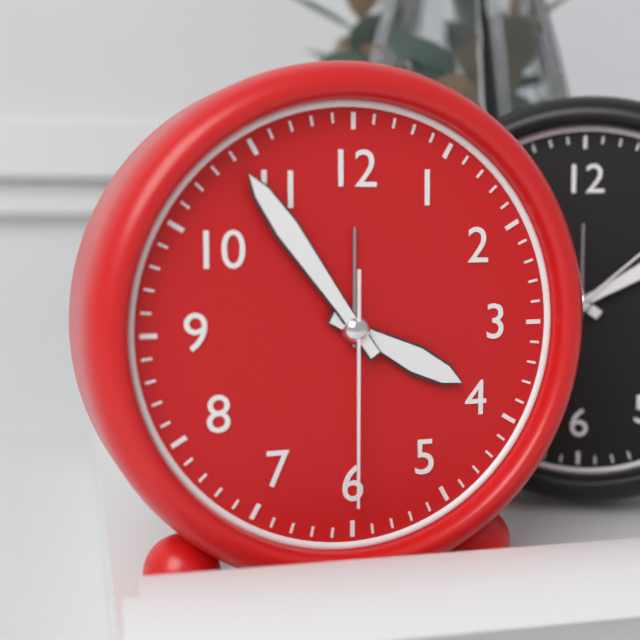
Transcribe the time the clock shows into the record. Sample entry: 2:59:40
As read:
3:54:30
